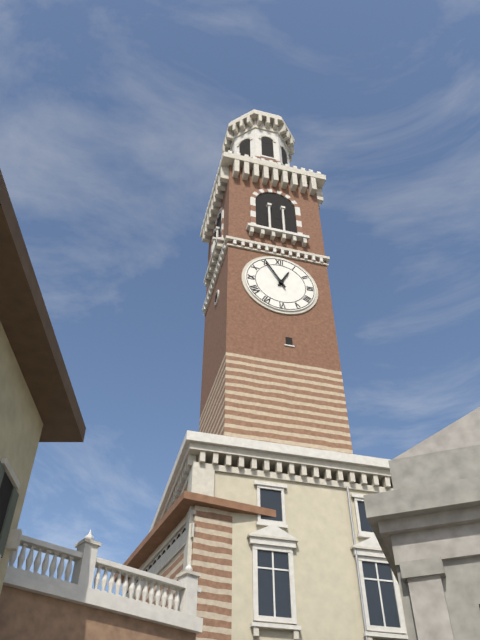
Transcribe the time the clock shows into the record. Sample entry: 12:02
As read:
12:55
